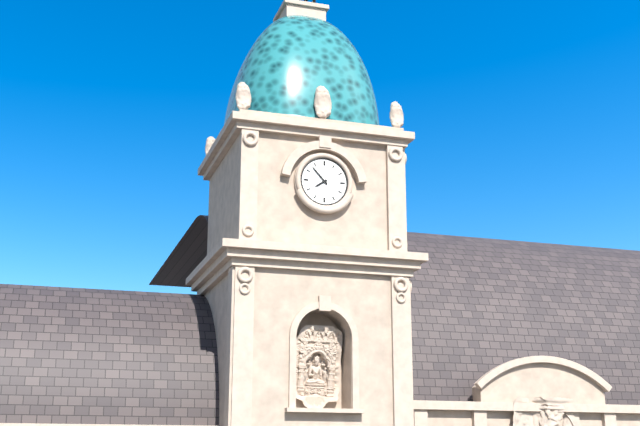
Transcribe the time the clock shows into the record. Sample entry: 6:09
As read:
7:53
